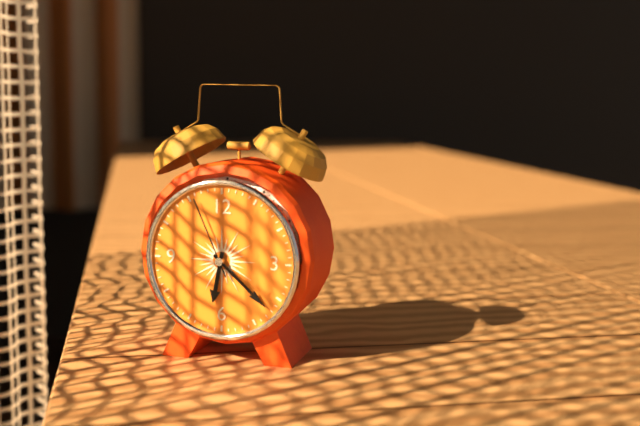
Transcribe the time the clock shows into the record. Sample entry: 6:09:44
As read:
6:22:56
